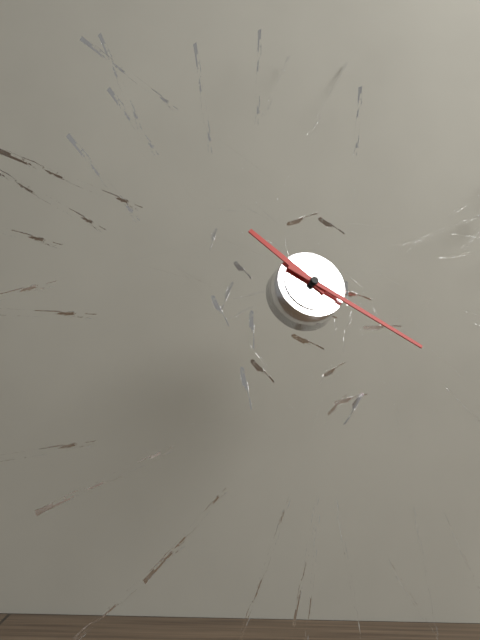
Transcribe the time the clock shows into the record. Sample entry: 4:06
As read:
10:20
